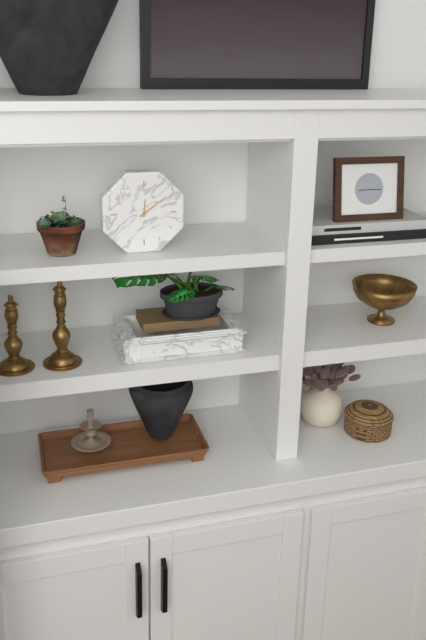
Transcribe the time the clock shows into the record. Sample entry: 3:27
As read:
12:09
